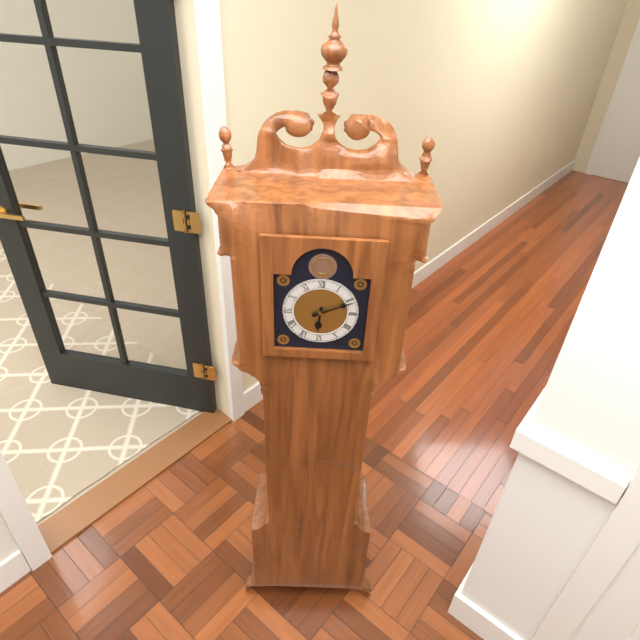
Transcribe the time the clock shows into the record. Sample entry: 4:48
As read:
6:11
